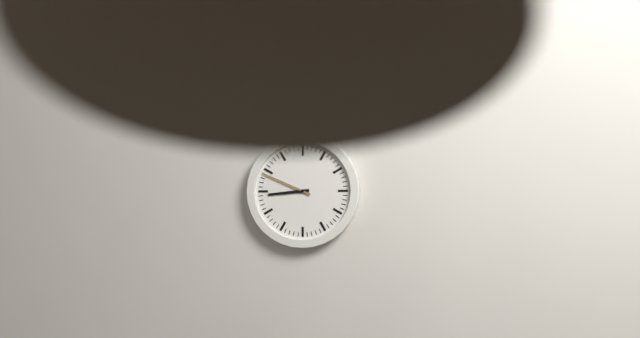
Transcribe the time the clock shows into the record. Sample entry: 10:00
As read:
8:49
